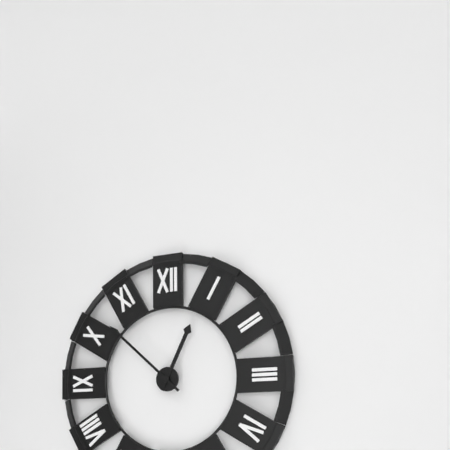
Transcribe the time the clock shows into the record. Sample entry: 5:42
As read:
12:52
